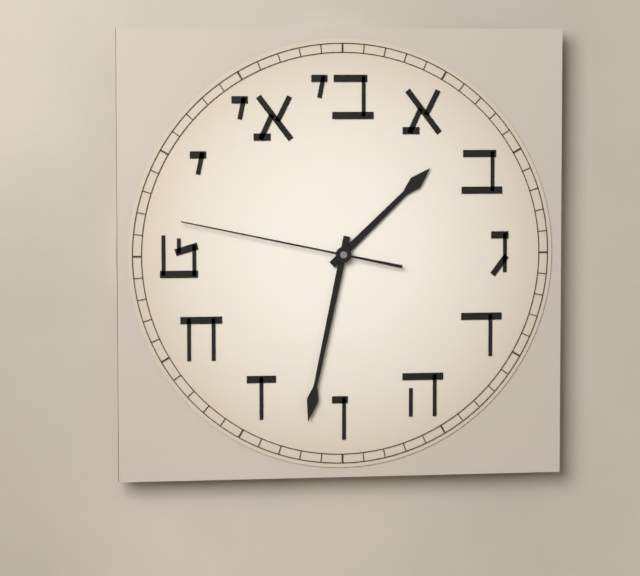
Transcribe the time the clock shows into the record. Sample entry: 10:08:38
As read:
1:32:47
